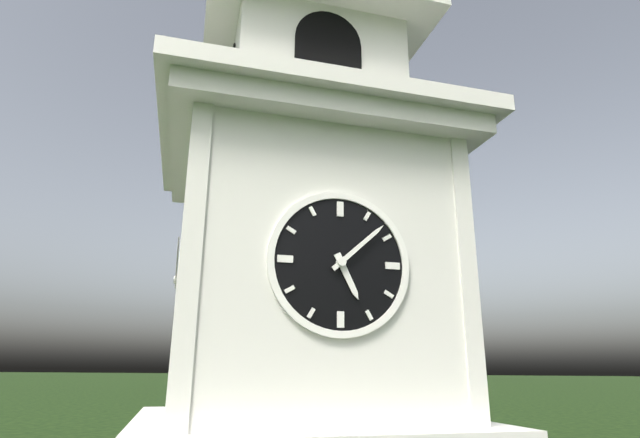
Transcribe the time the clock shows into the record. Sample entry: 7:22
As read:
5:08
